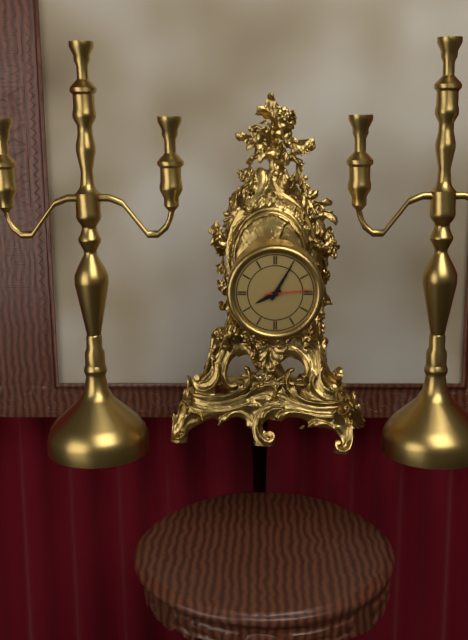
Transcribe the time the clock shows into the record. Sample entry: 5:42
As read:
8:05
